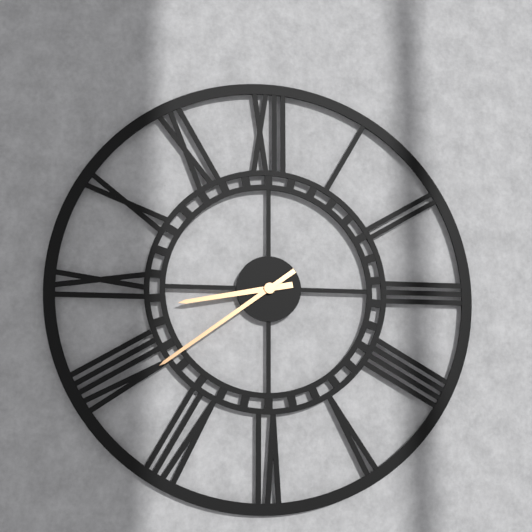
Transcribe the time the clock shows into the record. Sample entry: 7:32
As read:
8:39
